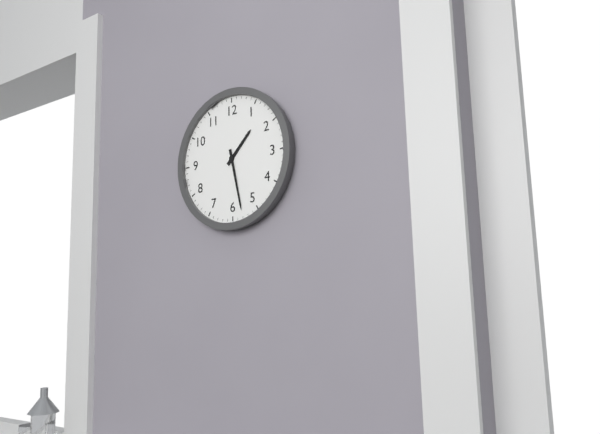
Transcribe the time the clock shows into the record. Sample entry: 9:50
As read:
1:28
